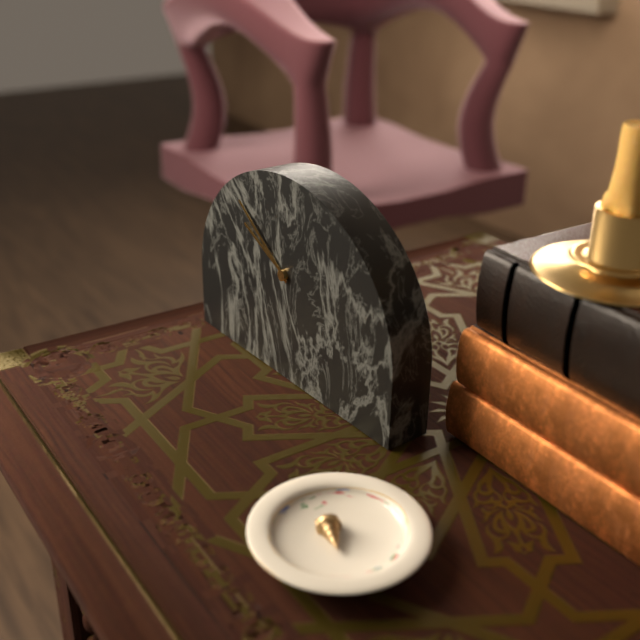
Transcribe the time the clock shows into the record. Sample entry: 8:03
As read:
9:51
